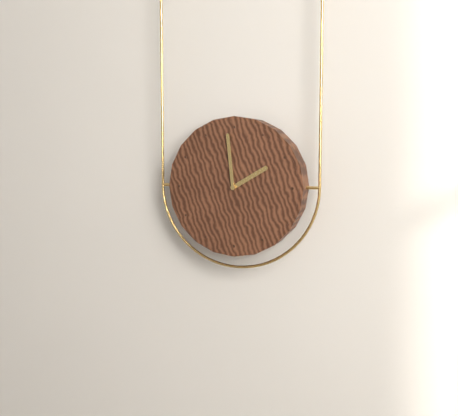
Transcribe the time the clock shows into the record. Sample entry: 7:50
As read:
1:59
